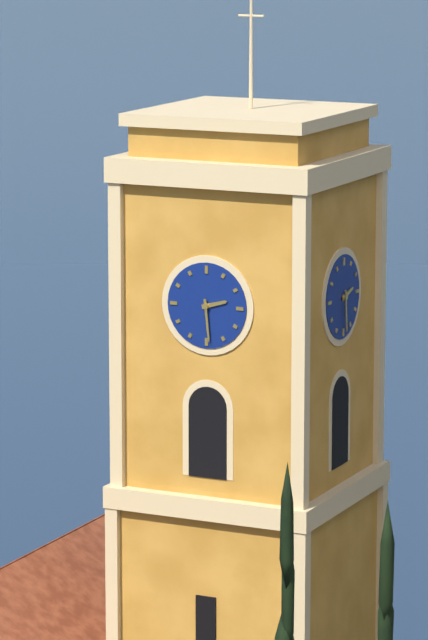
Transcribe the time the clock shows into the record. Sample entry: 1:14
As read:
2:29
